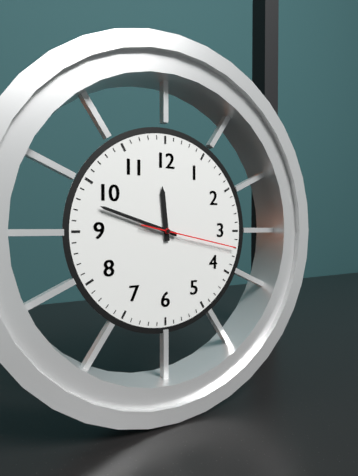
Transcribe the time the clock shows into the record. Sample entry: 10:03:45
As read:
11:48:17
